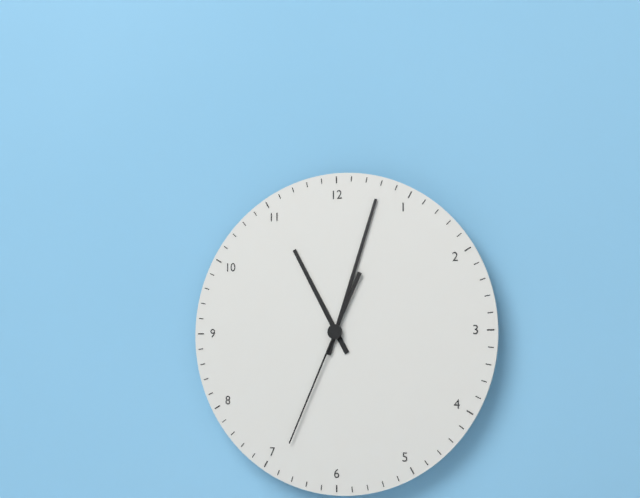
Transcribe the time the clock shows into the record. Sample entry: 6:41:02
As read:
11:03:34
